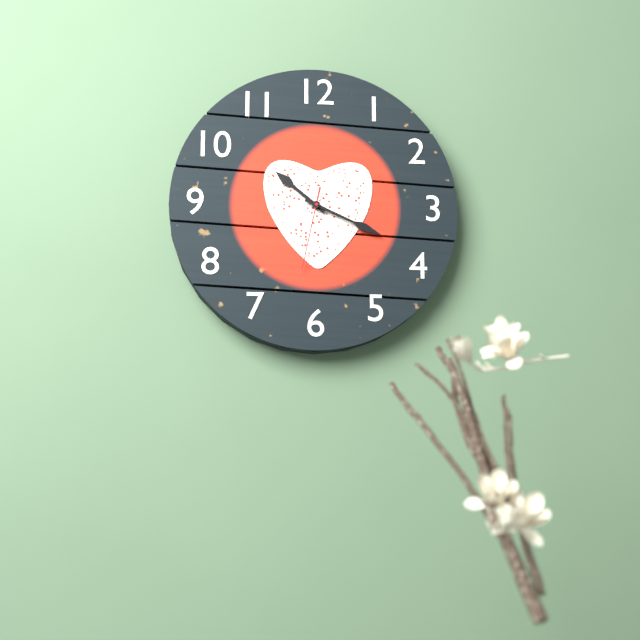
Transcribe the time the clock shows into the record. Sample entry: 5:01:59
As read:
10:19:32
